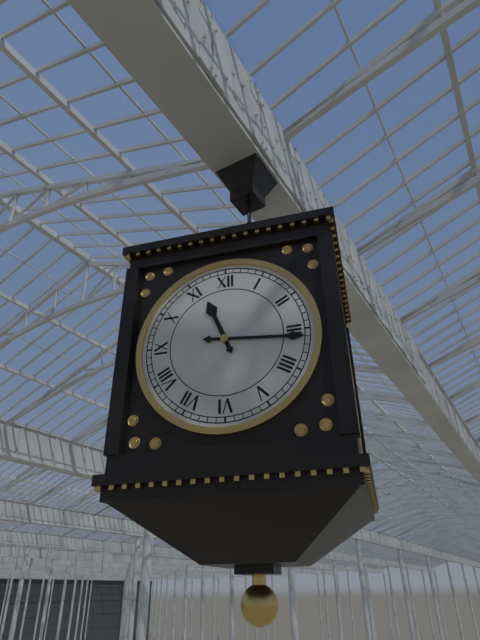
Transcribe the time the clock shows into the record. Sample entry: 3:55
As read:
11:16
